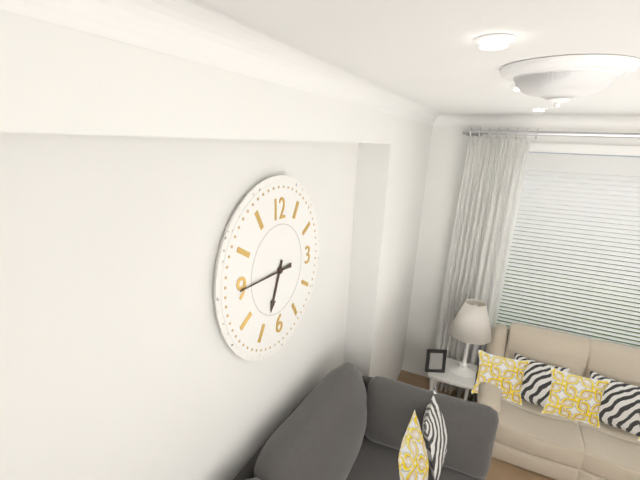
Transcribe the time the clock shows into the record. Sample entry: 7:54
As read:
6:45
